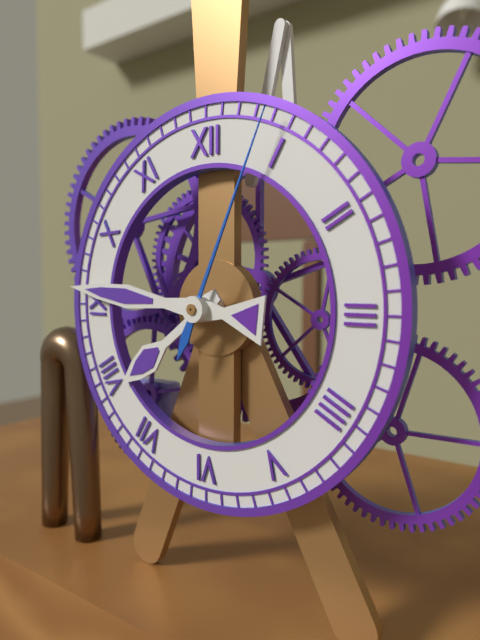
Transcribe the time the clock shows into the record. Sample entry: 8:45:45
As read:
7:46:04
